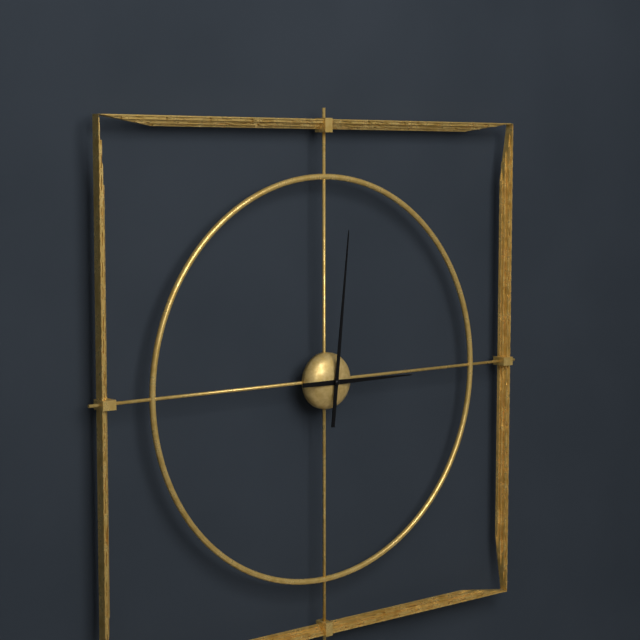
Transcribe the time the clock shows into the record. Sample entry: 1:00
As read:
3:01
